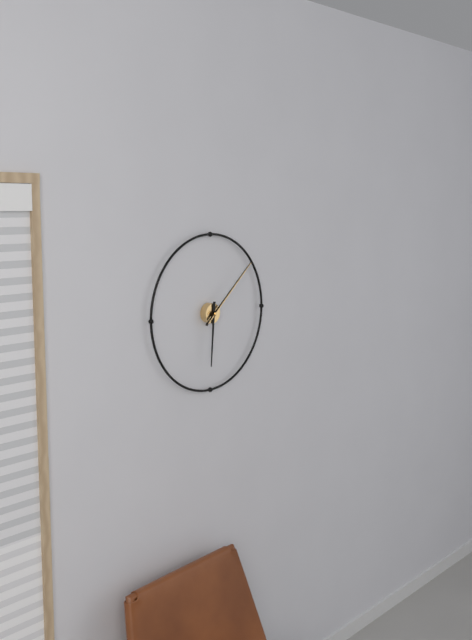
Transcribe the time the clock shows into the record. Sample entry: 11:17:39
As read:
6:08:08
